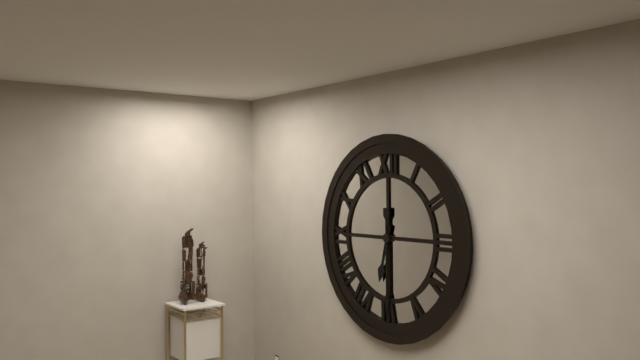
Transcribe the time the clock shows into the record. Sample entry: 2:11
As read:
6:30
